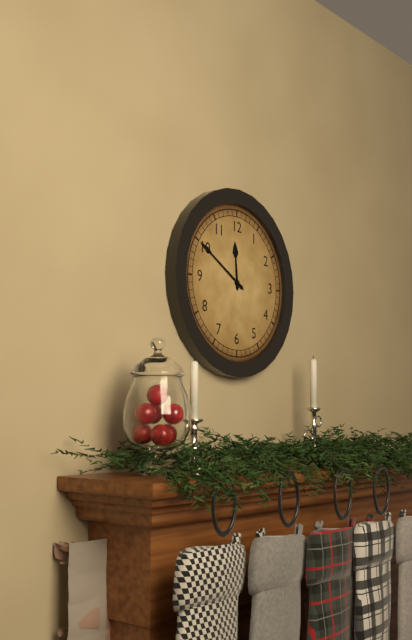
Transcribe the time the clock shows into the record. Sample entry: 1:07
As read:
11:50
